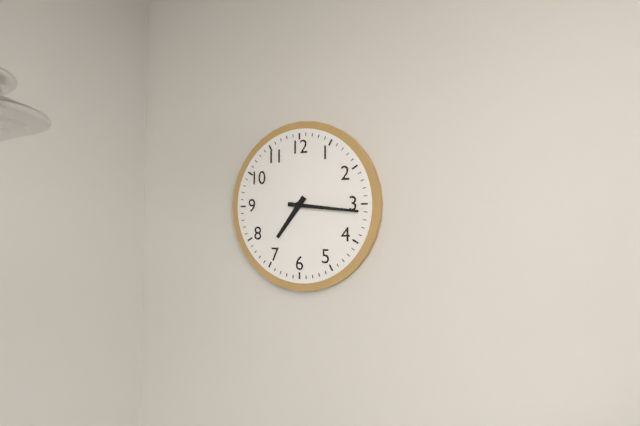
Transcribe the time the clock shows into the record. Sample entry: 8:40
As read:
7:16
